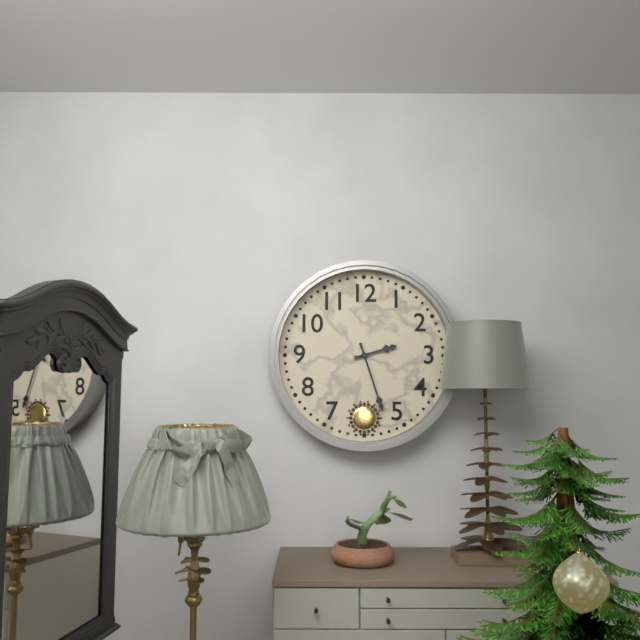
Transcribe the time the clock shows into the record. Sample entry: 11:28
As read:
2:27
